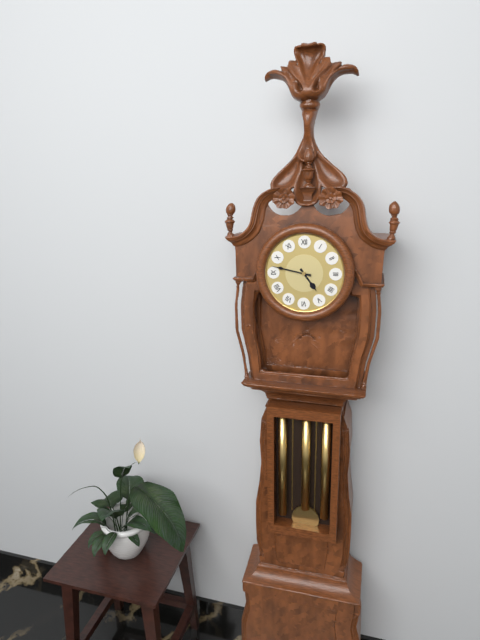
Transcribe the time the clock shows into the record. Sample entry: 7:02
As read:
4:47
